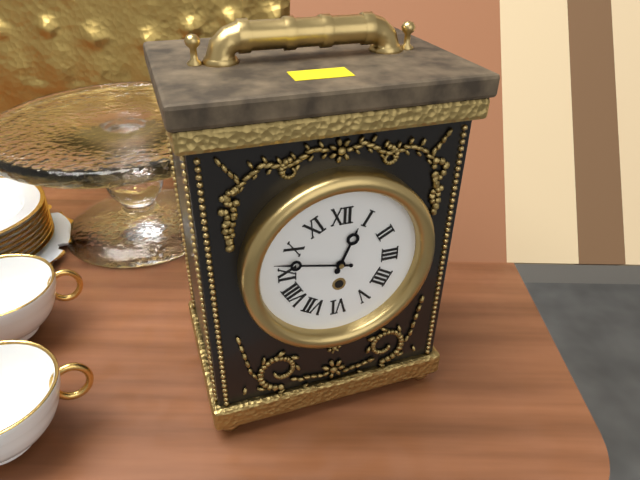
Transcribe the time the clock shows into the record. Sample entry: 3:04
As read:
12:47
